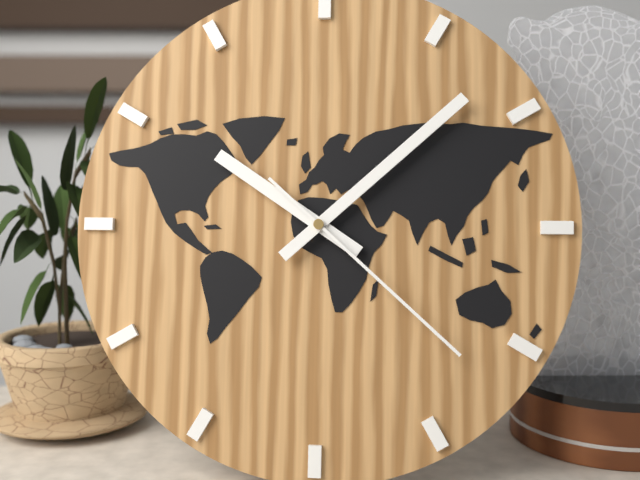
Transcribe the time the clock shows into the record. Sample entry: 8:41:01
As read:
10:08:22
